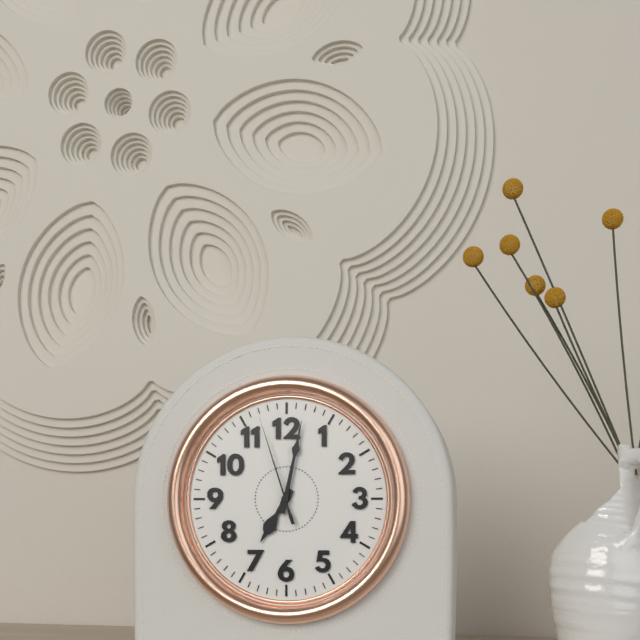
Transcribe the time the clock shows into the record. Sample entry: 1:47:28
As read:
7:02:57
